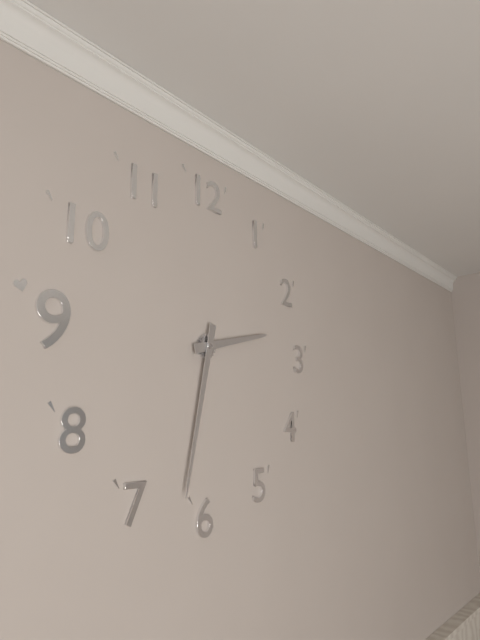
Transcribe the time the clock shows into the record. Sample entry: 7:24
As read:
2:32
